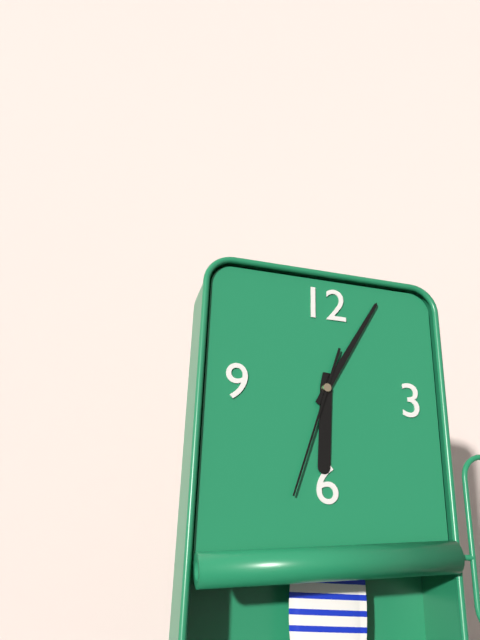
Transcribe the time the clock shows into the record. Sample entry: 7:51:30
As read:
6:05:33
